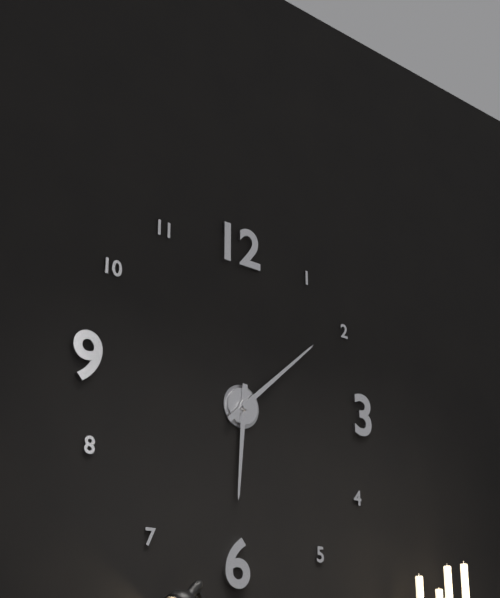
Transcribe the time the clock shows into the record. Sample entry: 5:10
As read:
6:08
